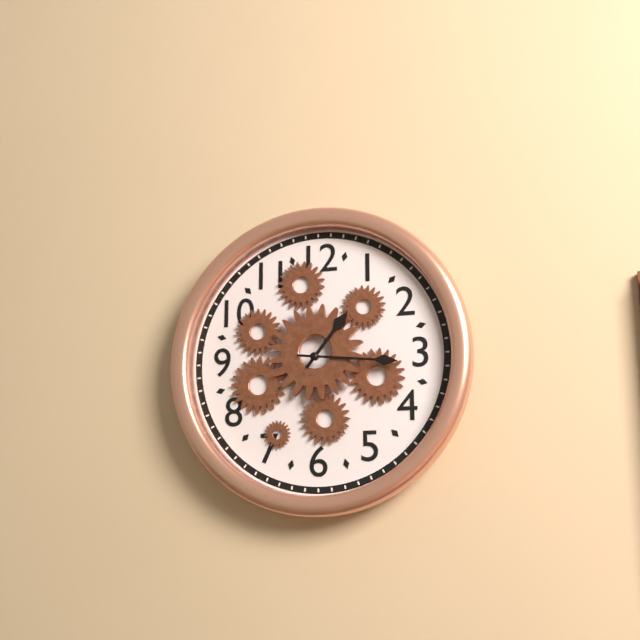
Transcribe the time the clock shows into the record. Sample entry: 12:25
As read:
1:16
